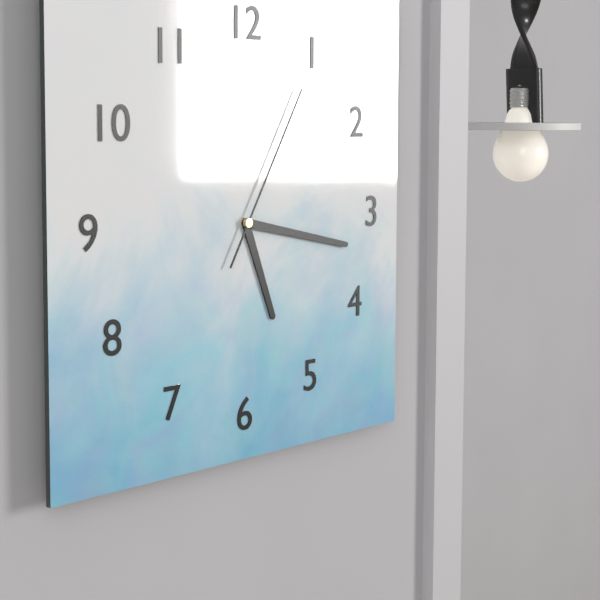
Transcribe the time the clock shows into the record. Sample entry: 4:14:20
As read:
5:17:05
